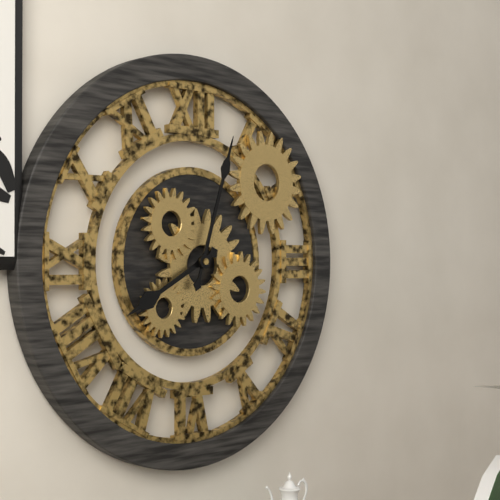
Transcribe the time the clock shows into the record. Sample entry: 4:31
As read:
8:03
